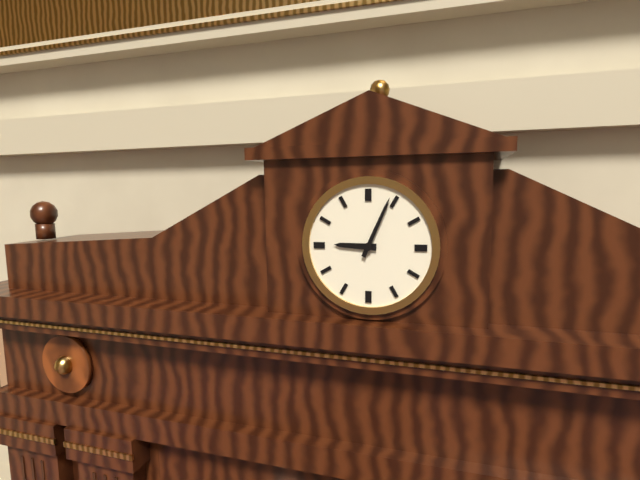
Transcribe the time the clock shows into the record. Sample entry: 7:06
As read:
9:04
